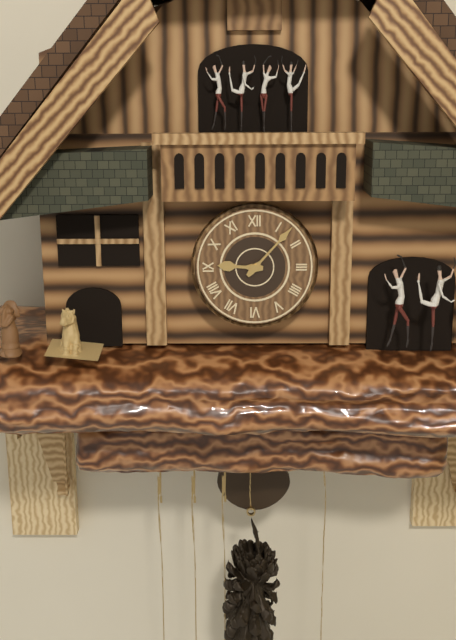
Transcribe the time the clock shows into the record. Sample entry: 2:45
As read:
9:07
